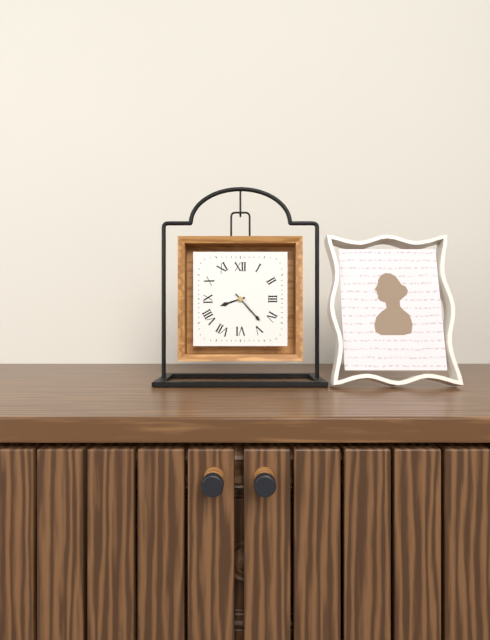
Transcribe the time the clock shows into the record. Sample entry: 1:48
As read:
8:23
